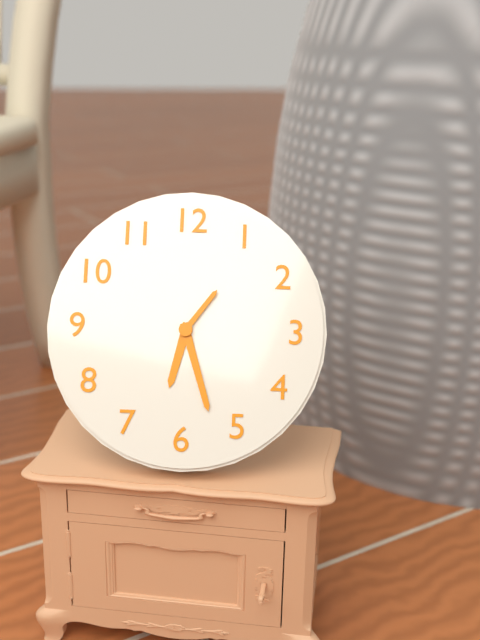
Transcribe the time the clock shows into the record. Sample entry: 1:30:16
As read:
6:27:06
